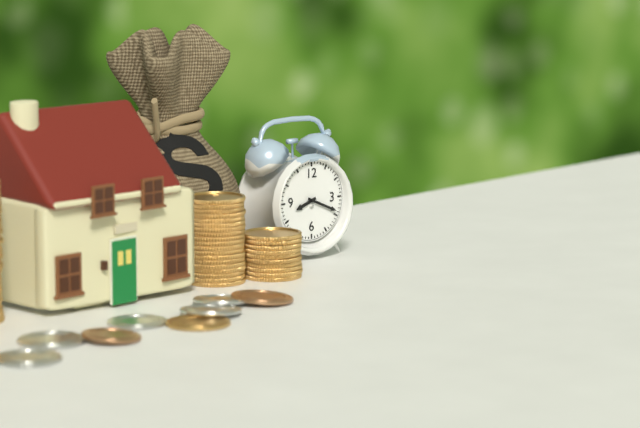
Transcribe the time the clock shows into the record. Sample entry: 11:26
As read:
8:19
